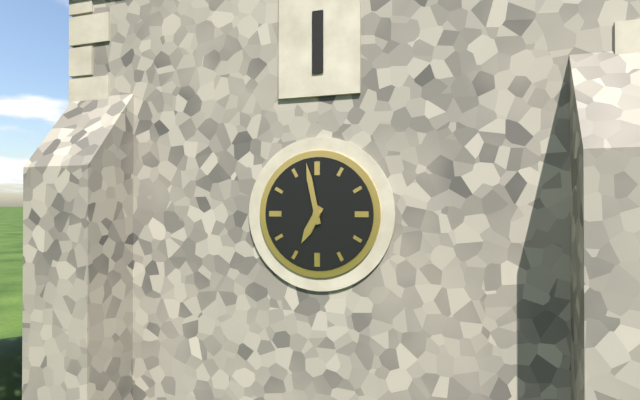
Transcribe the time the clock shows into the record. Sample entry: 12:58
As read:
6:58
